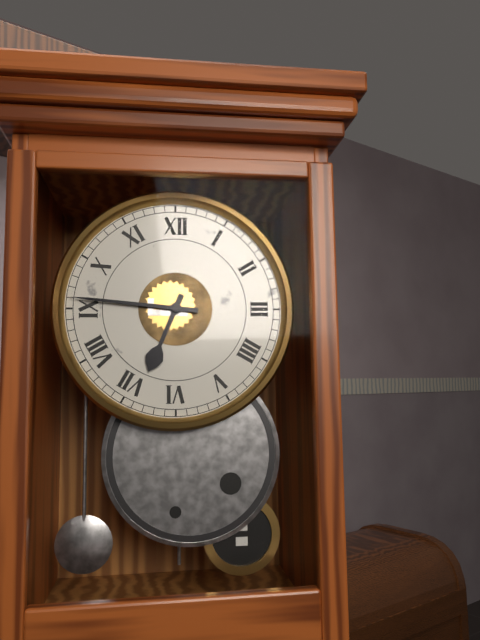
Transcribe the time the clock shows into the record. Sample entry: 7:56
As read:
6:46
